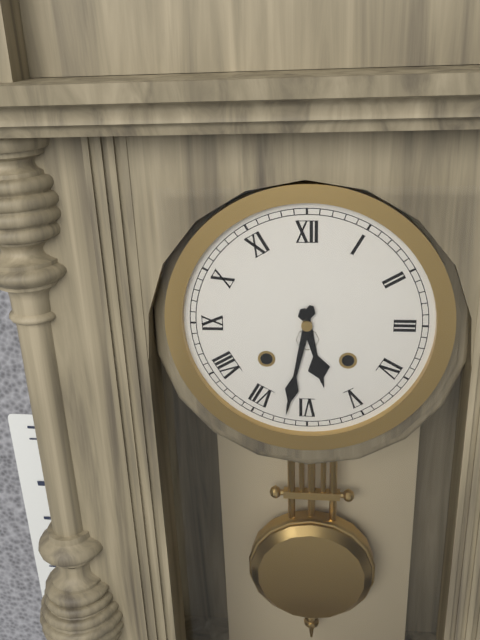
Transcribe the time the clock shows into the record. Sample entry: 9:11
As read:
5:32
